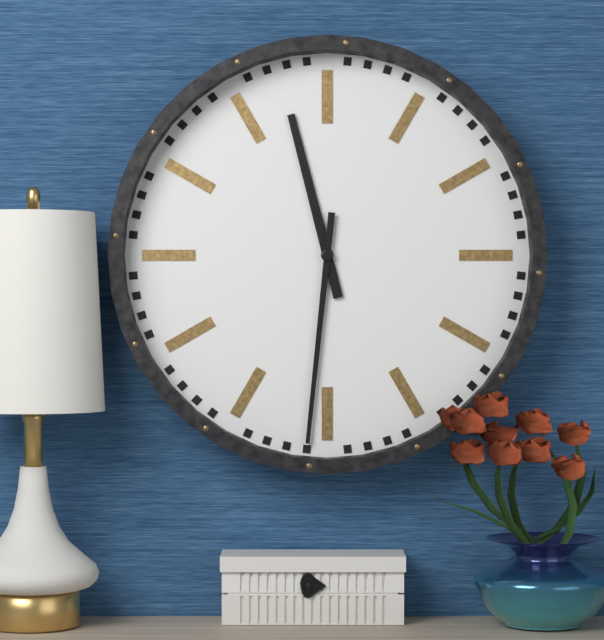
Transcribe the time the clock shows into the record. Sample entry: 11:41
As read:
11:31
